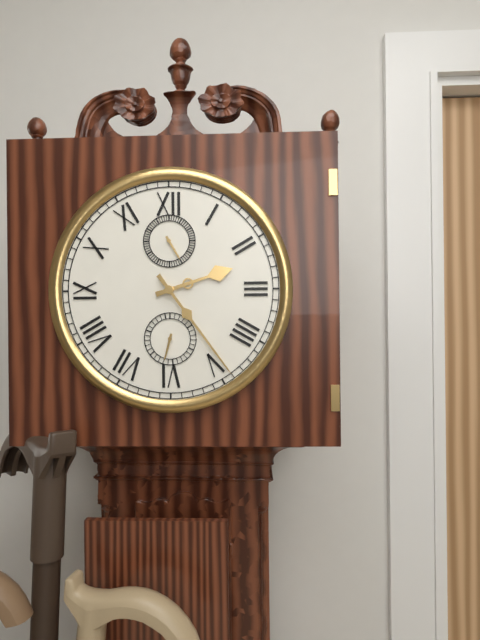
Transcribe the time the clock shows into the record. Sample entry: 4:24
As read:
2:24
